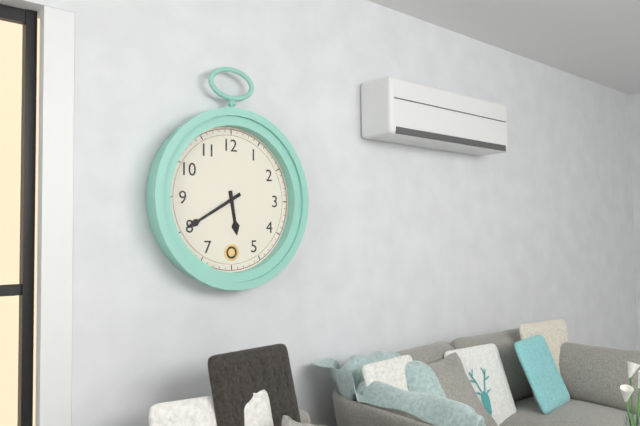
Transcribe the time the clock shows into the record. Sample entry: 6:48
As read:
5:40
